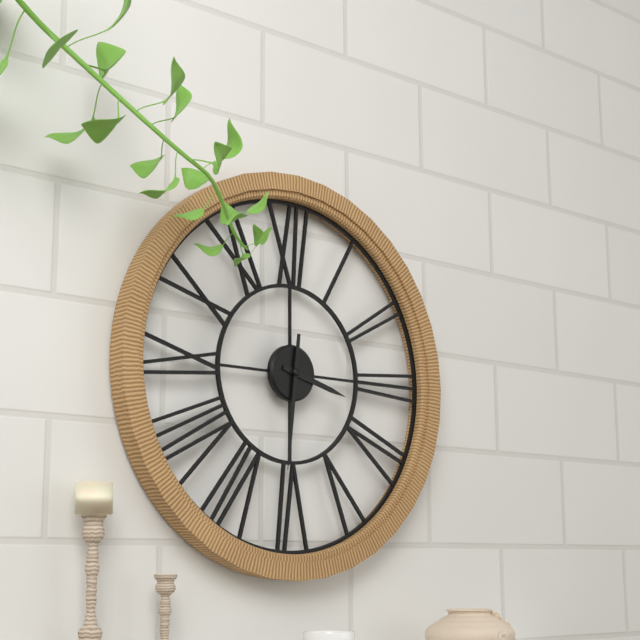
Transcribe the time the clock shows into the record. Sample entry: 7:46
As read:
3:31
